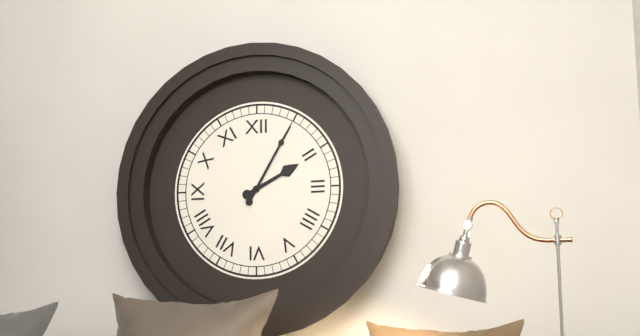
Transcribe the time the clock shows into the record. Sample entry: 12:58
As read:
2:05
